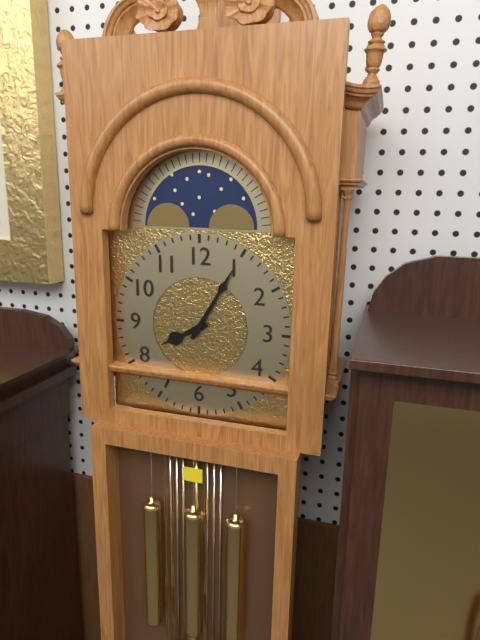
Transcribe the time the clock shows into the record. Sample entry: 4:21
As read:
8:05
